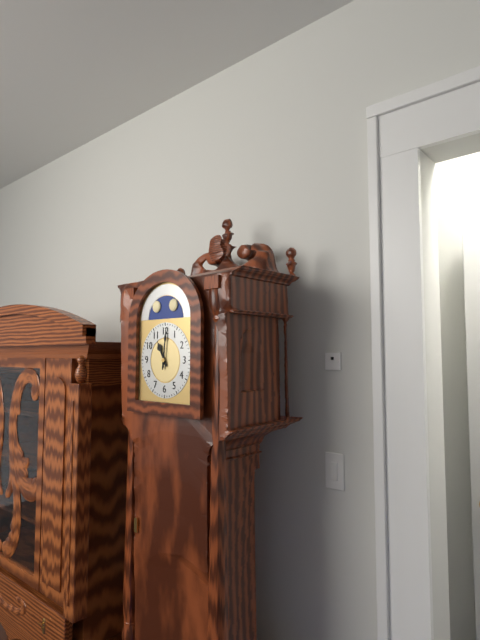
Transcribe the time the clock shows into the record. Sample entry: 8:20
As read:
11:01
